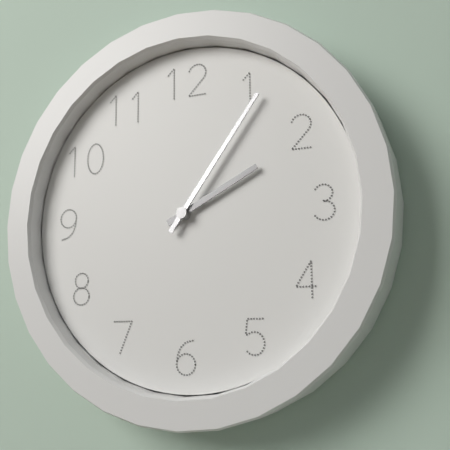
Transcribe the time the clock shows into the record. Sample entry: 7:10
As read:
2:06
